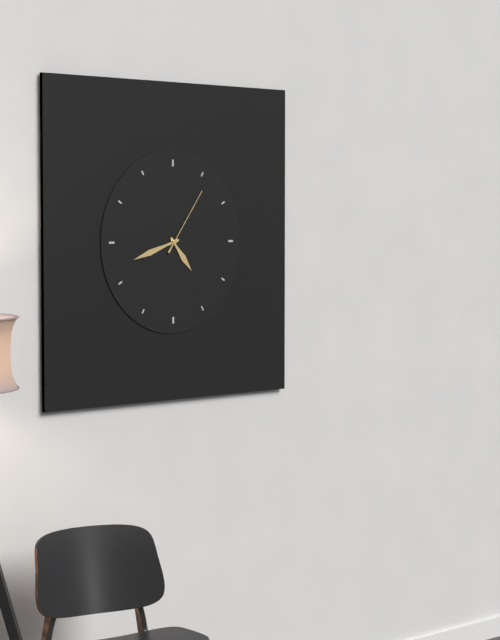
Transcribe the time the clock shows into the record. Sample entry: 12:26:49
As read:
4:42:06
